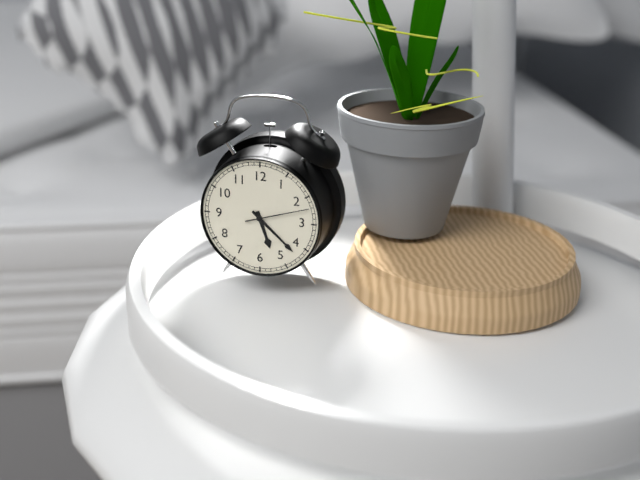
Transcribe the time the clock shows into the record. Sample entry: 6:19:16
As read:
5:22:12
